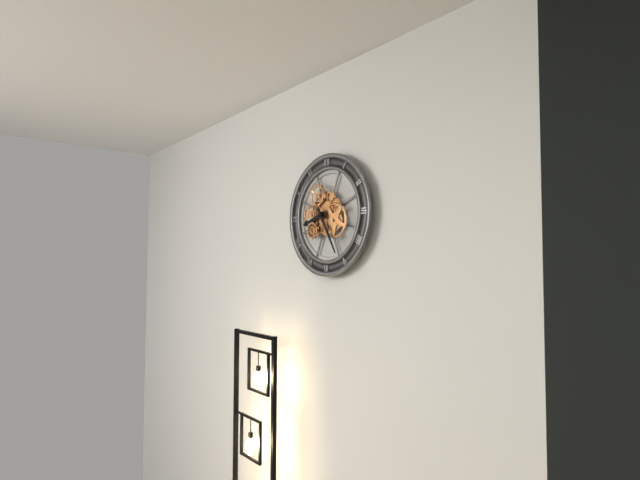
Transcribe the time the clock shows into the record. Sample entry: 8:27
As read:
8:25
